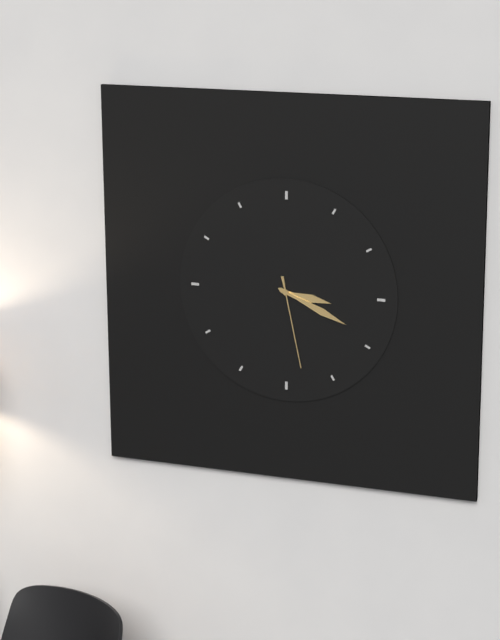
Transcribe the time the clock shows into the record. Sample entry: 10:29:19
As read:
3:19:28
